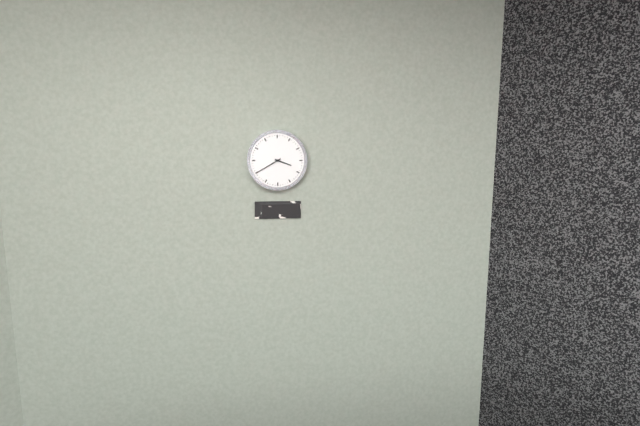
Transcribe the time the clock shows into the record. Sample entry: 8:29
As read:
3:40
